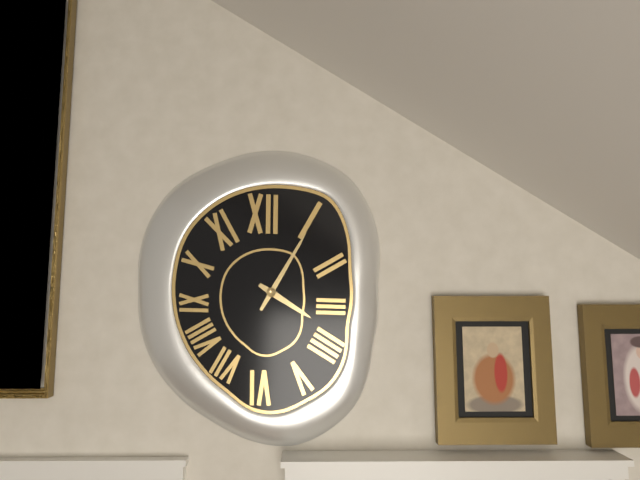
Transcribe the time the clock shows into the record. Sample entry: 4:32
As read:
4:05
